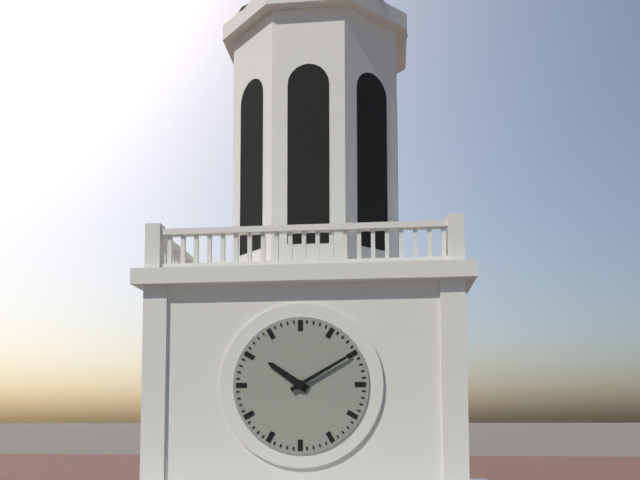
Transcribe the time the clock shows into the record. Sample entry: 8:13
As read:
10:10
